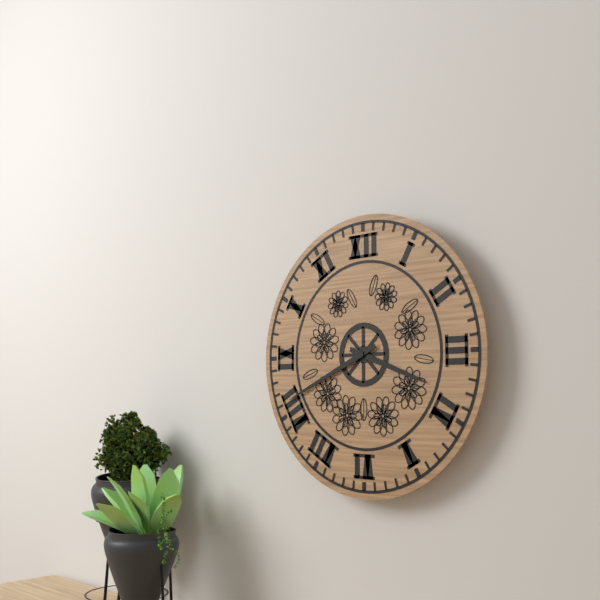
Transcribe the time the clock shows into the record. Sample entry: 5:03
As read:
3:41
